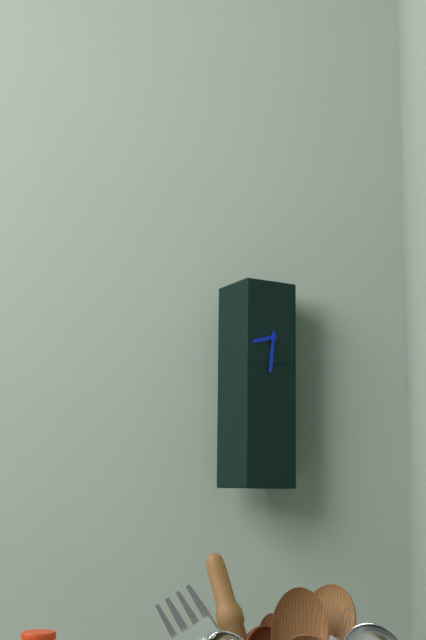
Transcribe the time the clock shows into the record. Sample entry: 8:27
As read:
8:31
